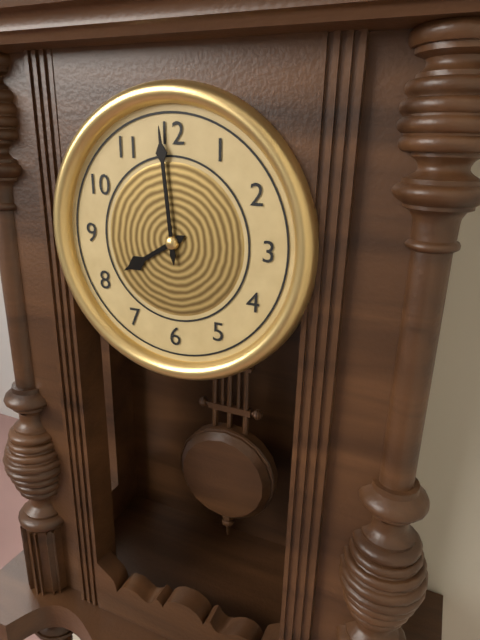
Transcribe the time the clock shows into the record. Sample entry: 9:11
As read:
7:59
